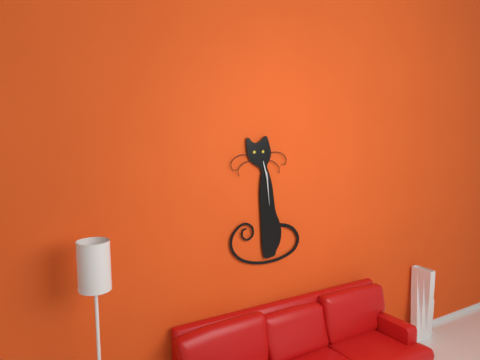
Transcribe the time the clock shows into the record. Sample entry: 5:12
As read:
11:29
